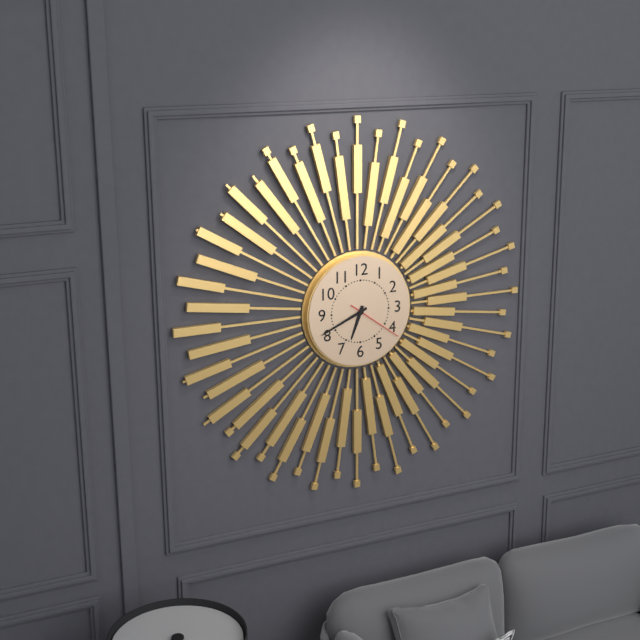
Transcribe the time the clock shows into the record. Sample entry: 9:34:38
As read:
6:41:21
